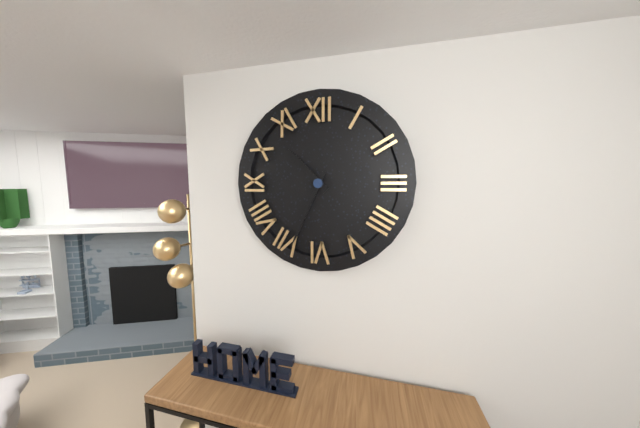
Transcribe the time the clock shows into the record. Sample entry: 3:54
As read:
10:34
